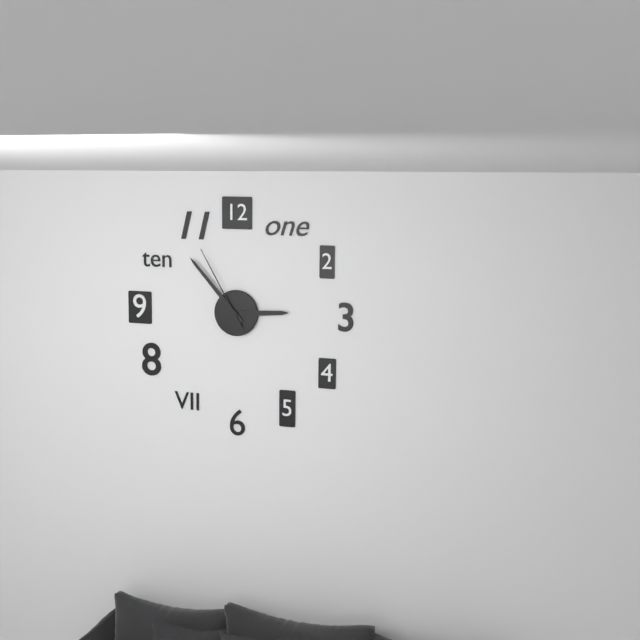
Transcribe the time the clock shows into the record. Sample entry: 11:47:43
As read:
2:53:55
